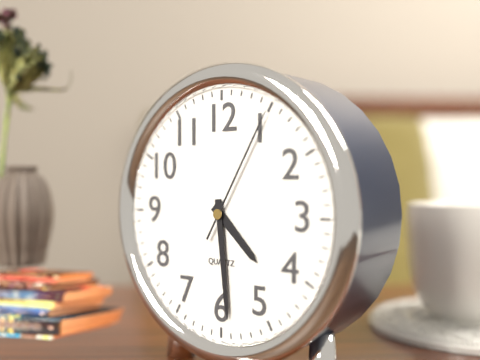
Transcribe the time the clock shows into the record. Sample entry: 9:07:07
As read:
4:29:05
